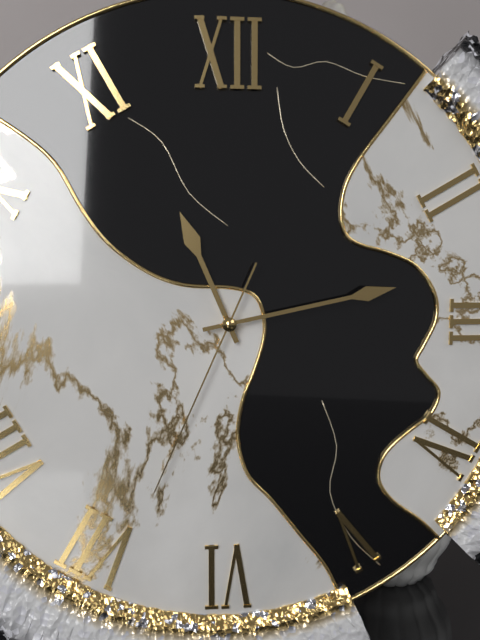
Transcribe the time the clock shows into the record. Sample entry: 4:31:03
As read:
11:13:34
